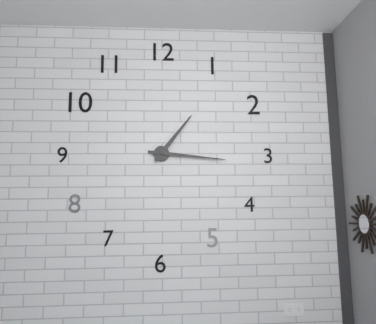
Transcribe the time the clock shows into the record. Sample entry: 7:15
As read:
1:16
